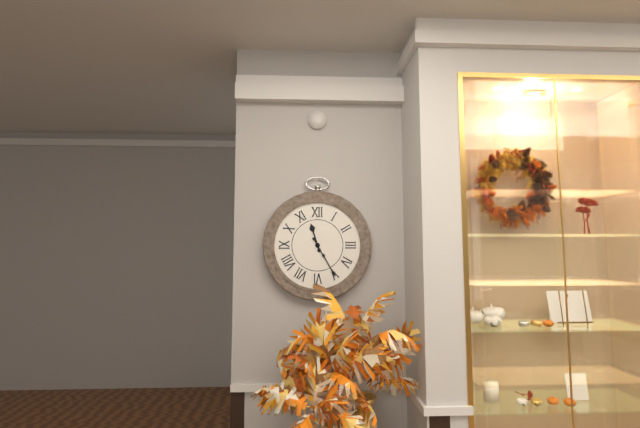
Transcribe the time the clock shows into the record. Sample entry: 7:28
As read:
11:25
